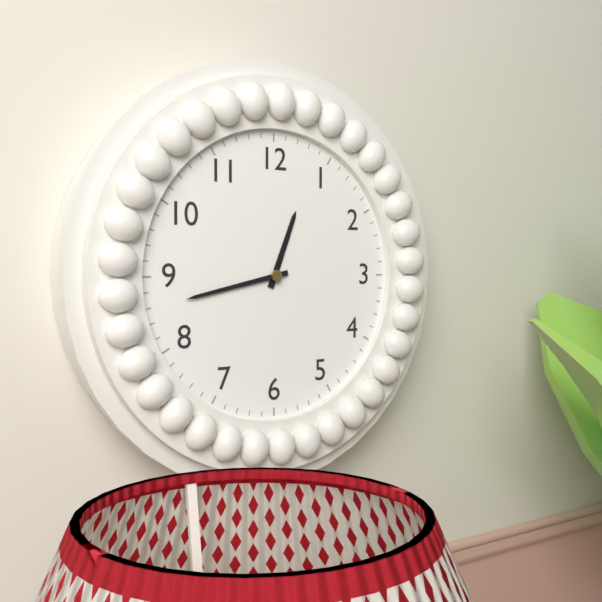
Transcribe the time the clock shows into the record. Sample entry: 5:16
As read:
12:43
